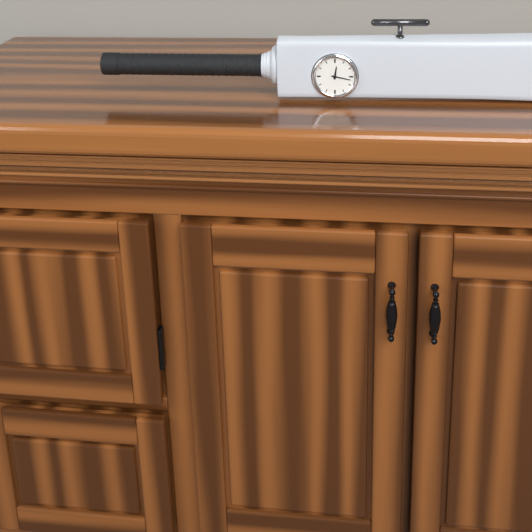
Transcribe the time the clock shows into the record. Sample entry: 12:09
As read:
12:17
